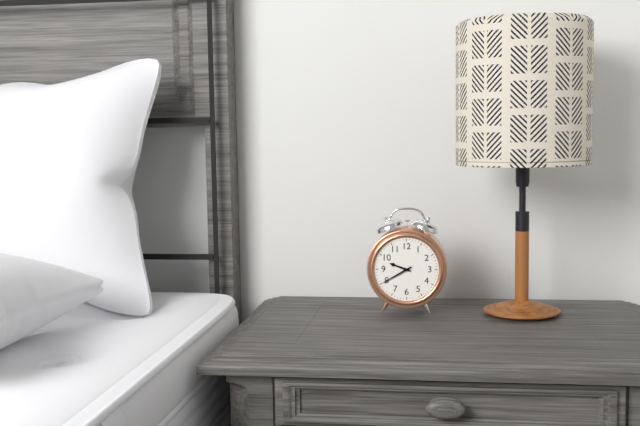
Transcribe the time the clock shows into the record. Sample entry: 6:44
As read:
9:40
